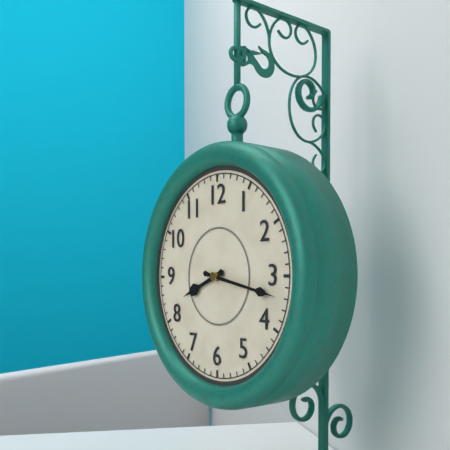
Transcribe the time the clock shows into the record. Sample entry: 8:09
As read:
8:17
